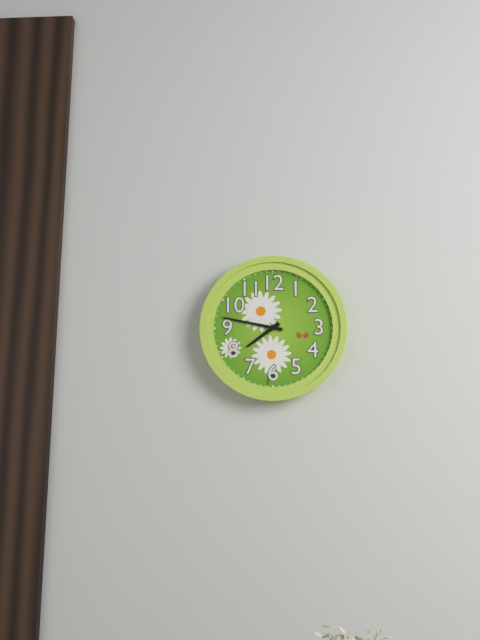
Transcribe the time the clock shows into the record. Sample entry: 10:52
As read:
7:47
